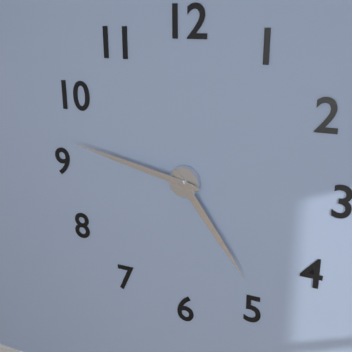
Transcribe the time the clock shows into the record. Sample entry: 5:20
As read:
4:47
